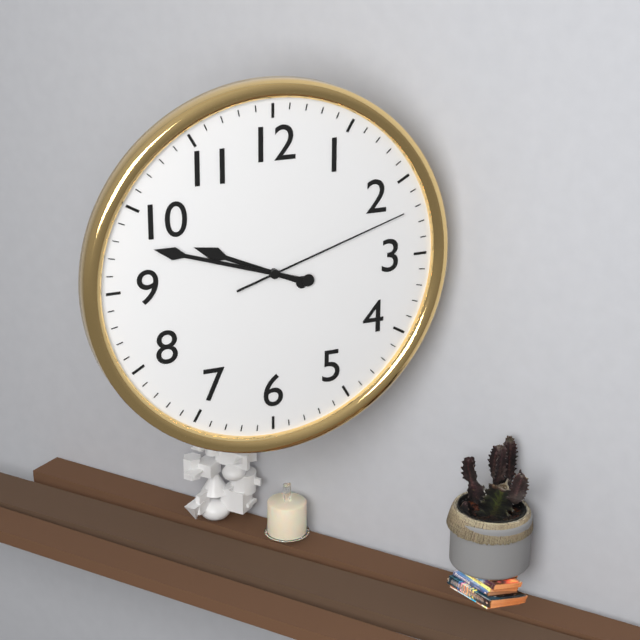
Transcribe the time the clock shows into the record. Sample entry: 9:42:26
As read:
9:48:12
